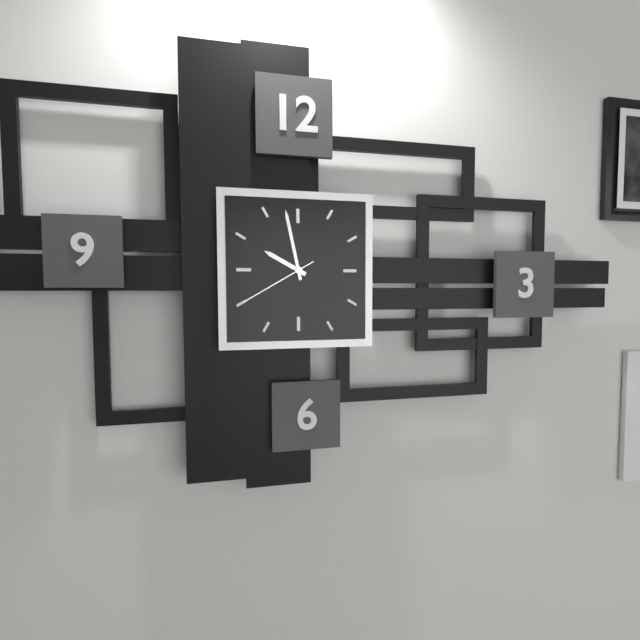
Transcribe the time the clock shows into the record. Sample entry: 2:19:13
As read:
9:58:40
